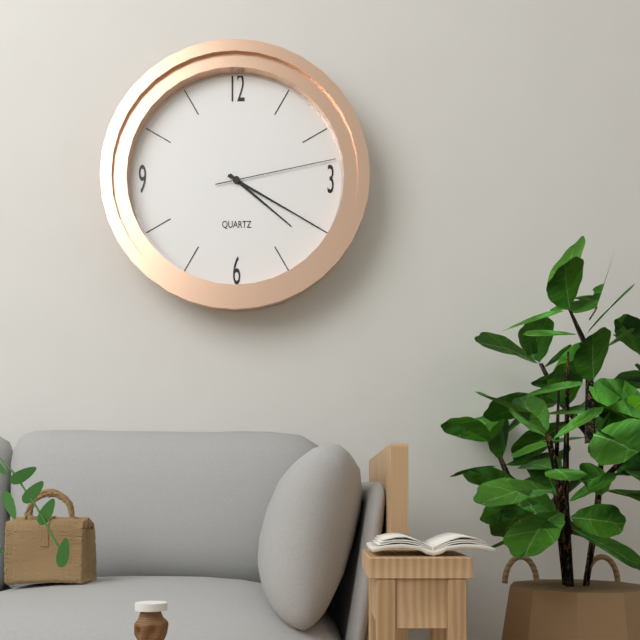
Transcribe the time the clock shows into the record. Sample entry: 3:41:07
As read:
4:20:13
